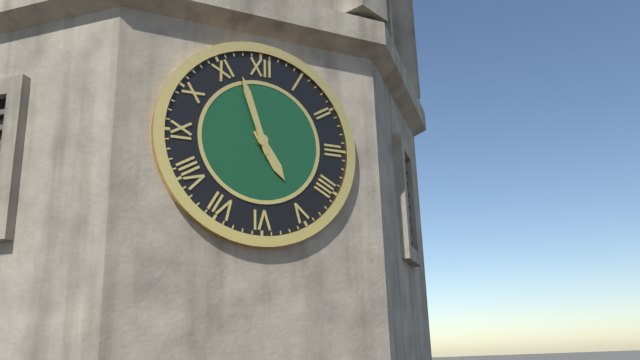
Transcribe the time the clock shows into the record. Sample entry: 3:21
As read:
4:57
